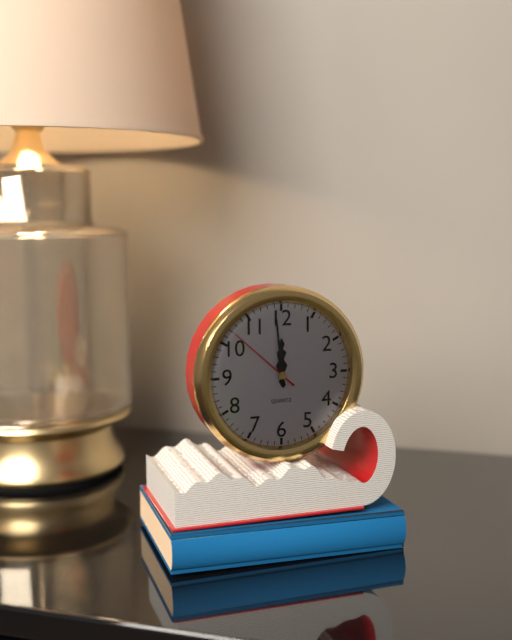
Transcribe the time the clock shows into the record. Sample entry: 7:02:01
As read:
11:59:52
